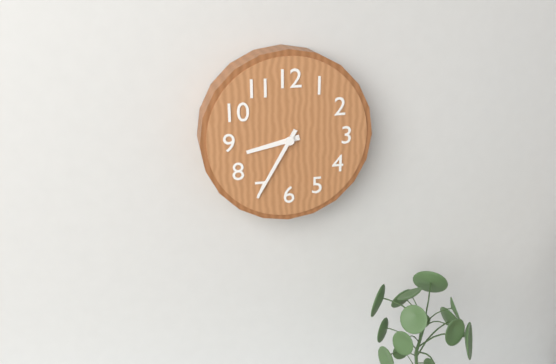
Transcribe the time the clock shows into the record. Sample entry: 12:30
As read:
8:35
